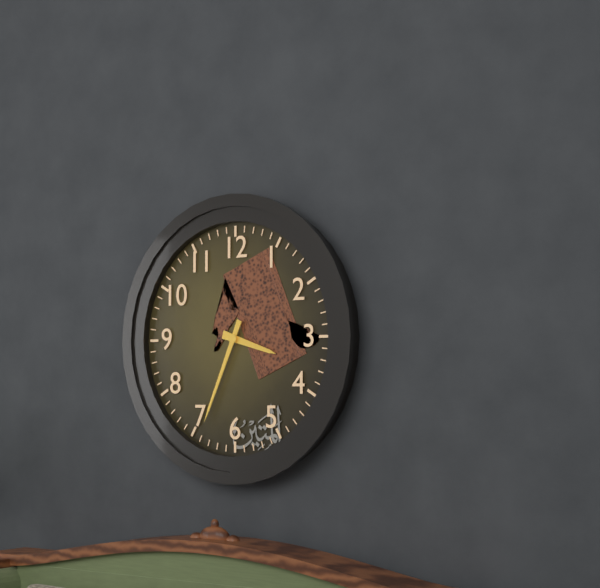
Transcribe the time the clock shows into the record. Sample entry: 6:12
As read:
3:34
